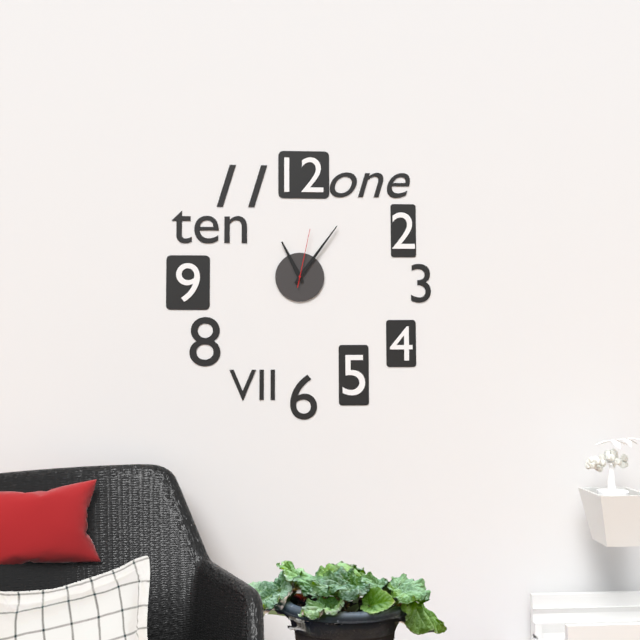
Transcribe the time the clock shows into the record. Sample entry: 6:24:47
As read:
11:06:02
